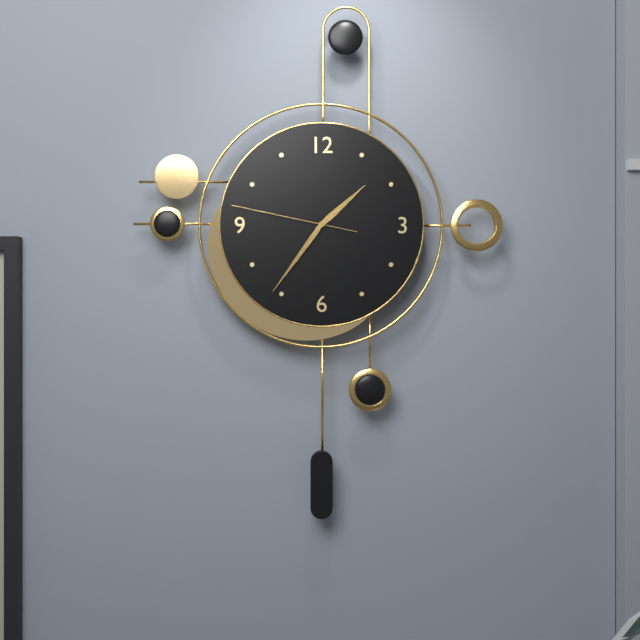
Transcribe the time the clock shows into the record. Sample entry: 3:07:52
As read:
1:36:47
